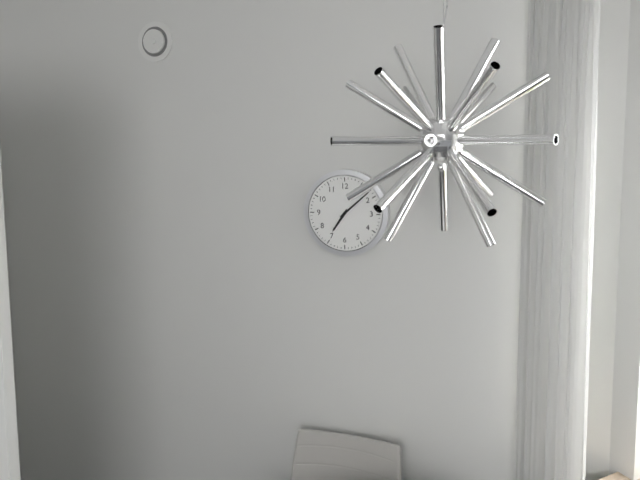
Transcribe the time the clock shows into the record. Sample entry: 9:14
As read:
7:08
